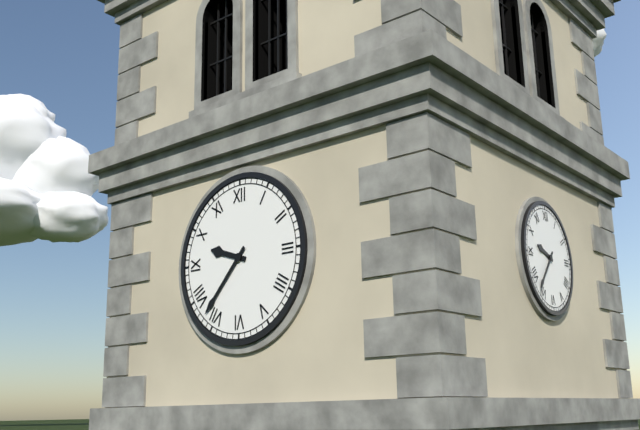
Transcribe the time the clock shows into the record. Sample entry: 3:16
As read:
9:37
